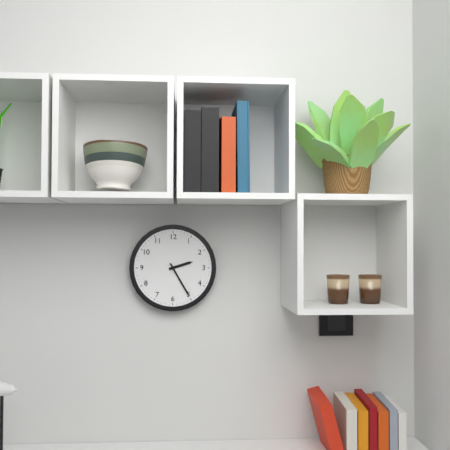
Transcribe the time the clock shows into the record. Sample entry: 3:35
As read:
2:25
